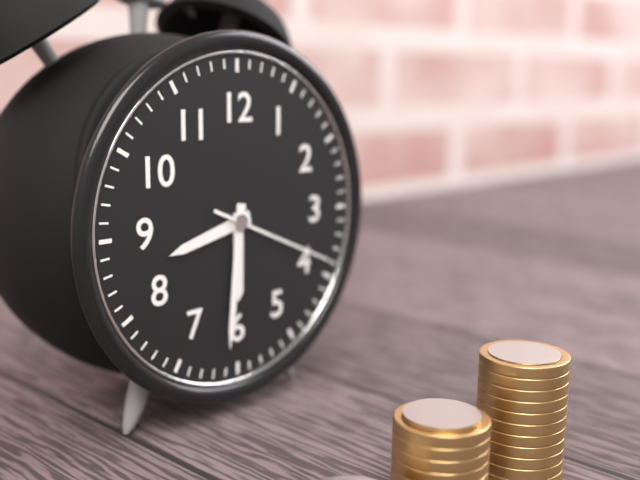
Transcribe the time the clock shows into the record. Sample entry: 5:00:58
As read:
8:31:19
